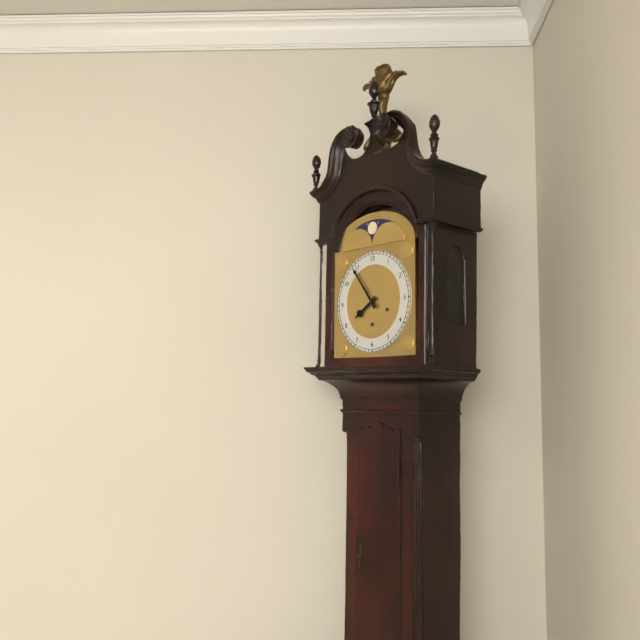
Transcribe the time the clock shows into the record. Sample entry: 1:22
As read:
7:54
